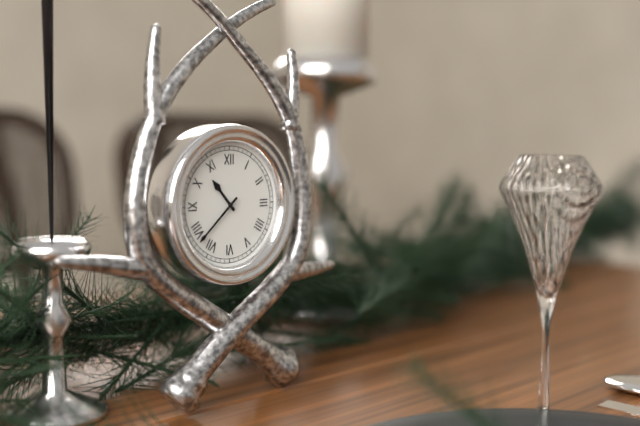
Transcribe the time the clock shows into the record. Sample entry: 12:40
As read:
10:38
